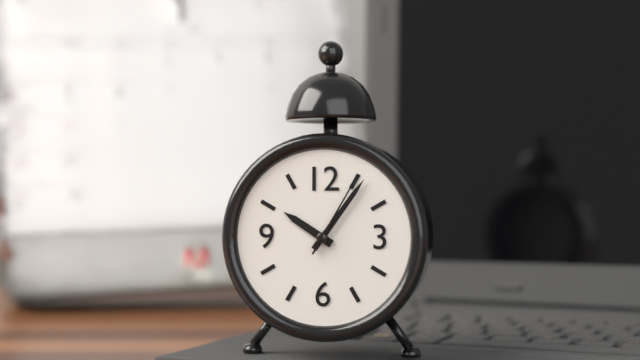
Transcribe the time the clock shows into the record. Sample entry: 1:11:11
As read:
10:06:05
